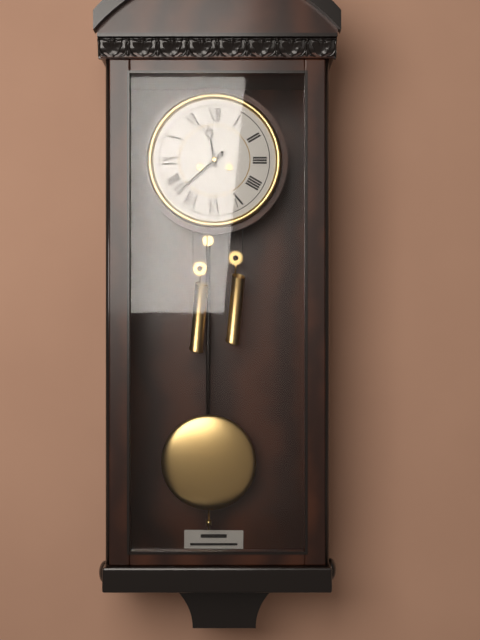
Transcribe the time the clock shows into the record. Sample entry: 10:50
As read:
11:38
